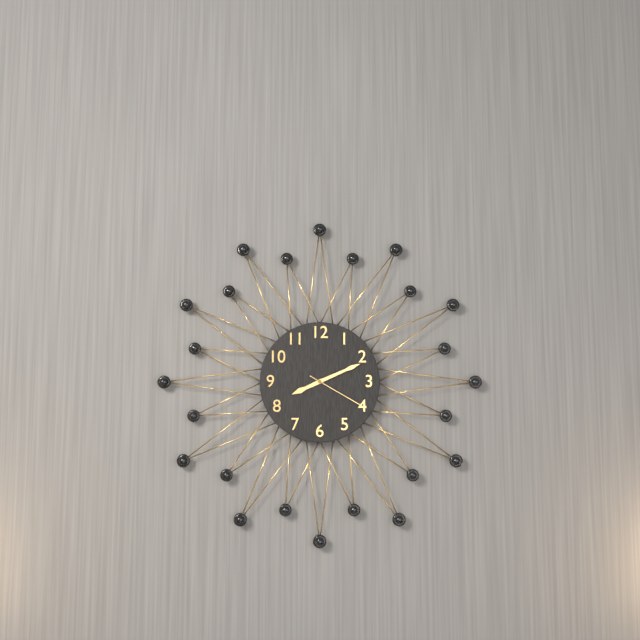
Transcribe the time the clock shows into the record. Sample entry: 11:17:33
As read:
8:11:20
